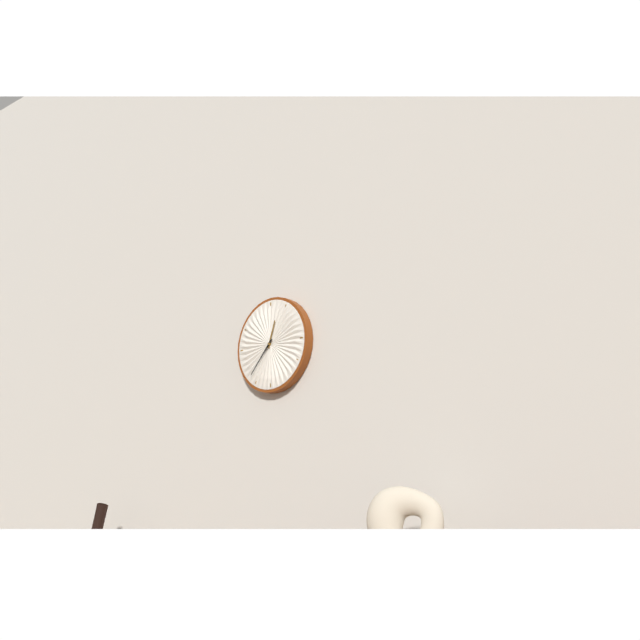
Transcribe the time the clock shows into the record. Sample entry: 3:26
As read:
12:37
